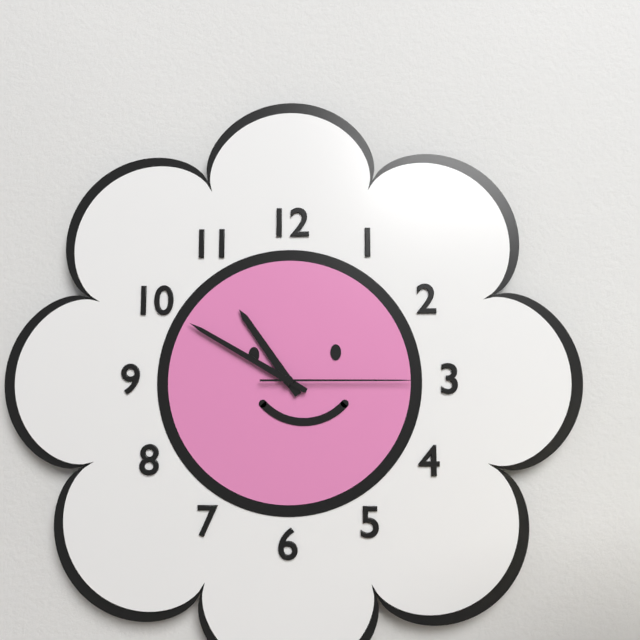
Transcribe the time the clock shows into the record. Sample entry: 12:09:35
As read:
10:50:15
